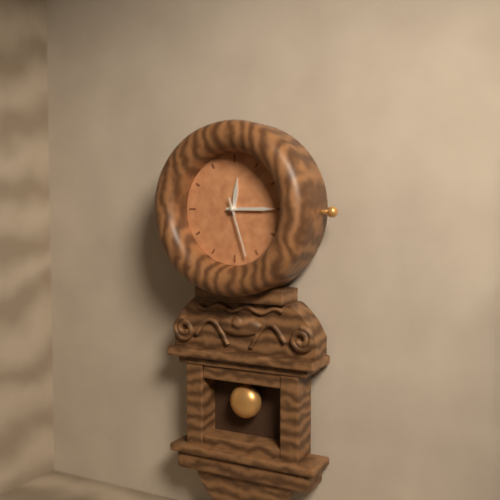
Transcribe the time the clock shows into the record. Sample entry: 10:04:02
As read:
12:15:27
